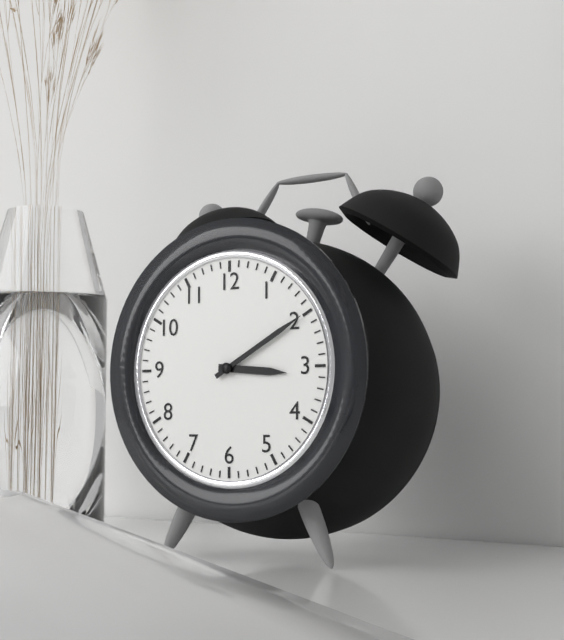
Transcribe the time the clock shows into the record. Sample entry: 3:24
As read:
3:10
